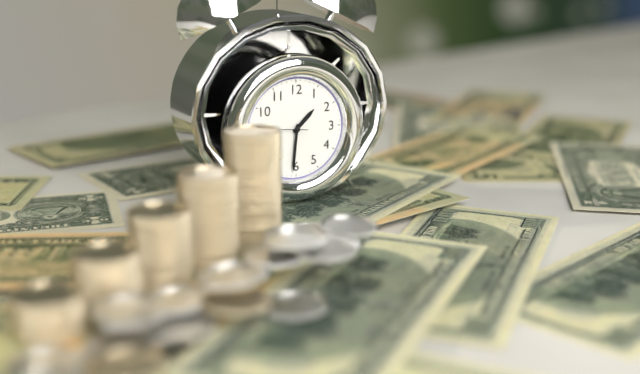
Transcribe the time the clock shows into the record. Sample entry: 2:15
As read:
1:31
